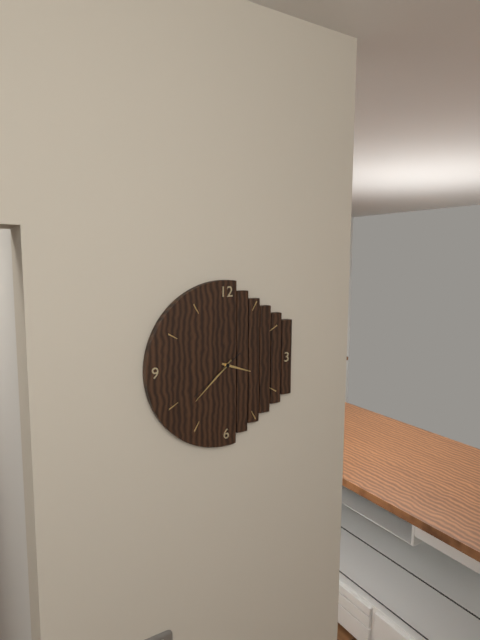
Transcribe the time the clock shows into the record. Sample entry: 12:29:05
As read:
3:38:39
